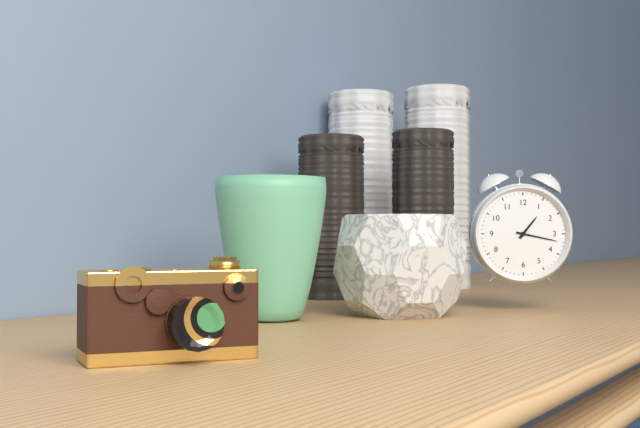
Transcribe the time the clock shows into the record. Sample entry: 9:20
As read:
1:17
